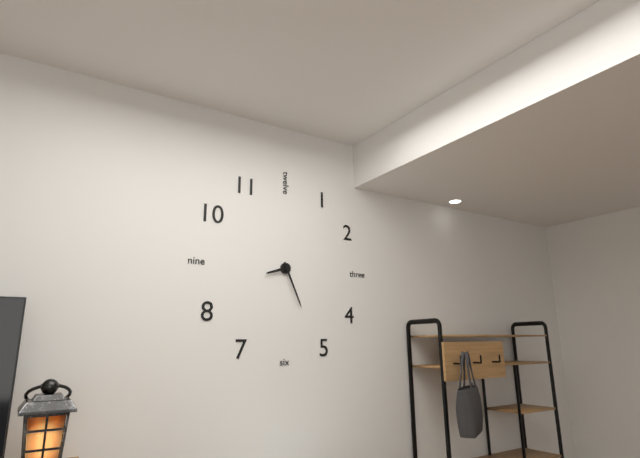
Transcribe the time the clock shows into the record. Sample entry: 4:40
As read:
8:26
